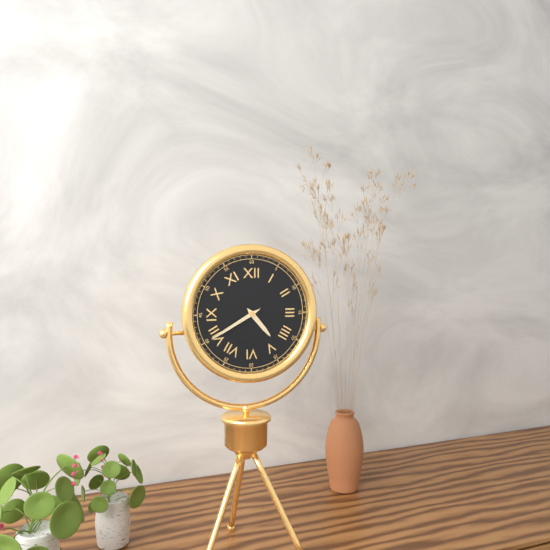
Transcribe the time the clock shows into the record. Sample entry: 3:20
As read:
4:40
